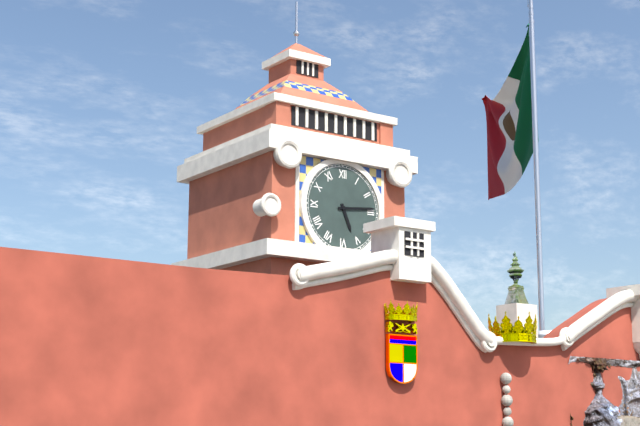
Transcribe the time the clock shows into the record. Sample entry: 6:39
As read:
5:14
